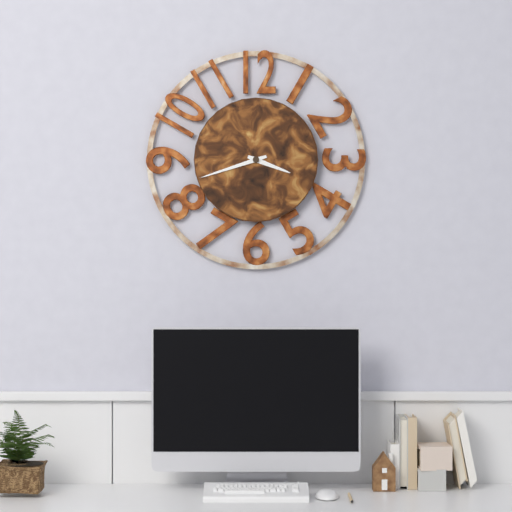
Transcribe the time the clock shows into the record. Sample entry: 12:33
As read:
3:42
